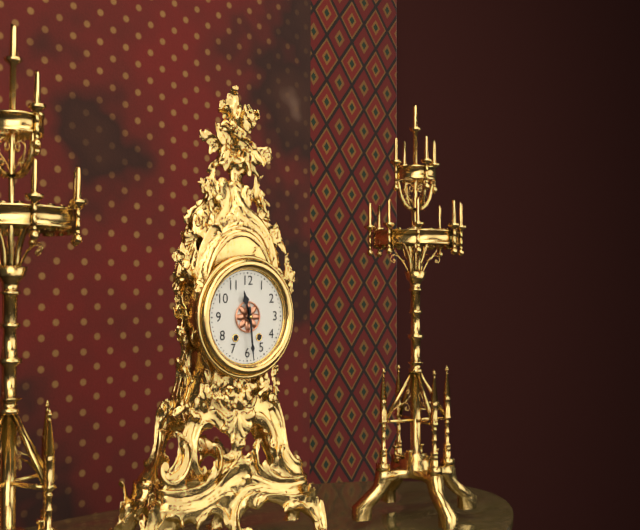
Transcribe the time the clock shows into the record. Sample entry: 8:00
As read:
11:29
